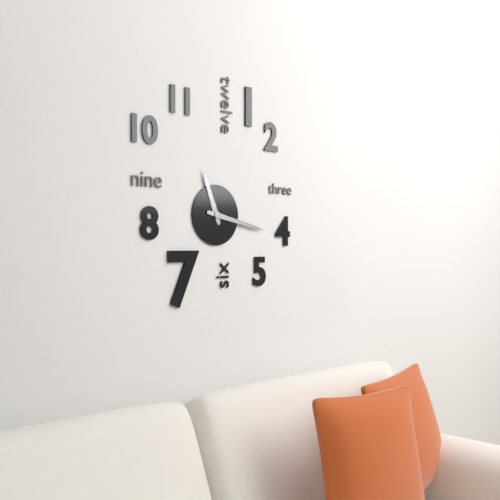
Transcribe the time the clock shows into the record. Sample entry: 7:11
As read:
11:17
